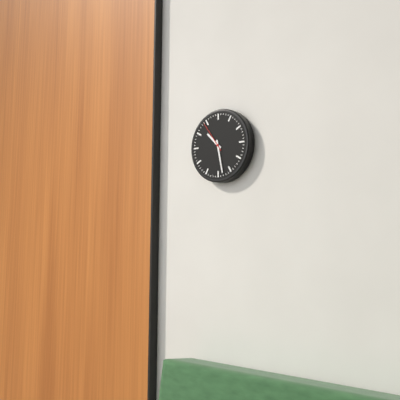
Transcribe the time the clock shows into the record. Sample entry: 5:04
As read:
10:28
